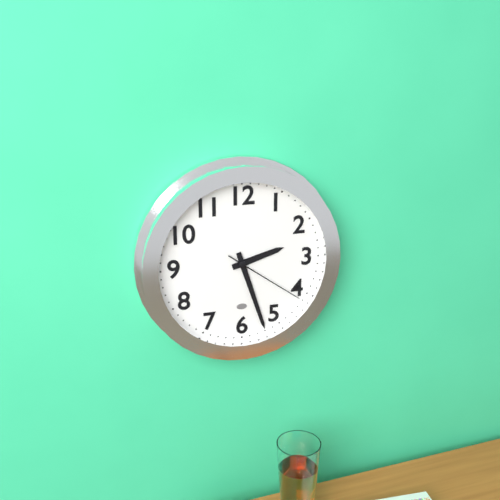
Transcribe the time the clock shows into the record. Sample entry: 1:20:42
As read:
2:27:21
